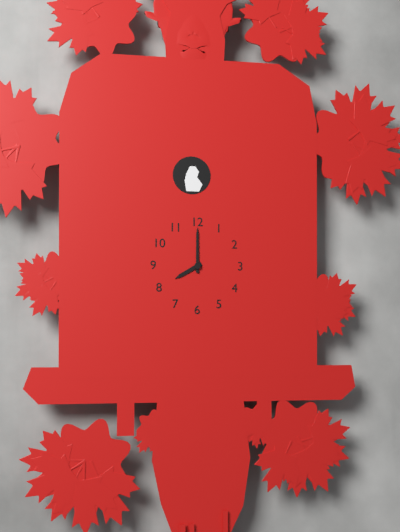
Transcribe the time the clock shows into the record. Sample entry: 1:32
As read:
8:00
